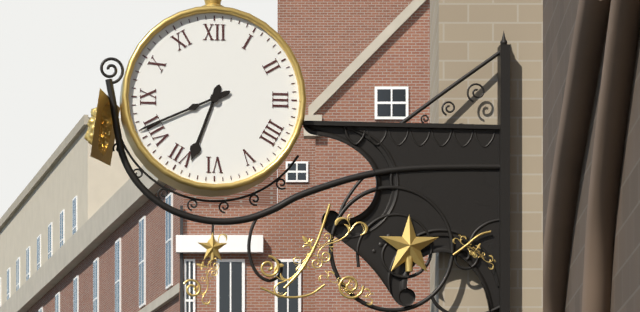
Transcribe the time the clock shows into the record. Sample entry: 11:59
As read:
6:41
